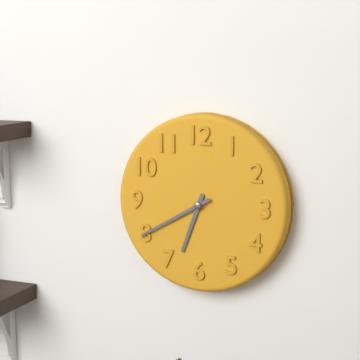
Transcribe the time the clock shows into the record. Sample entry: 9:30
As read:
6:40
